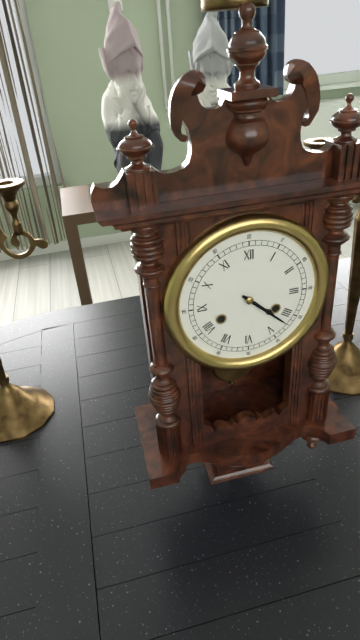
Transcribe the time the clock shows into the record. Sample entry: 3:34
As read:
4:22
